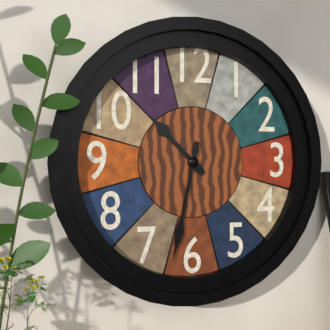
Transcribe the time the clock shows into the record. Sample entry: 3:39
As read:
10:32
